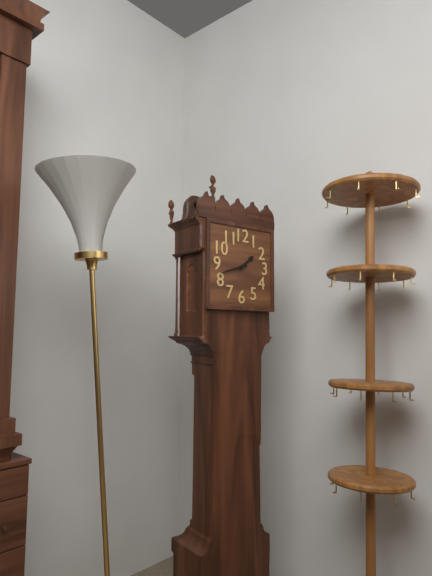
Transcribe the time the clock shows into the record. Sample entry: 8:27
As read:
1:42
